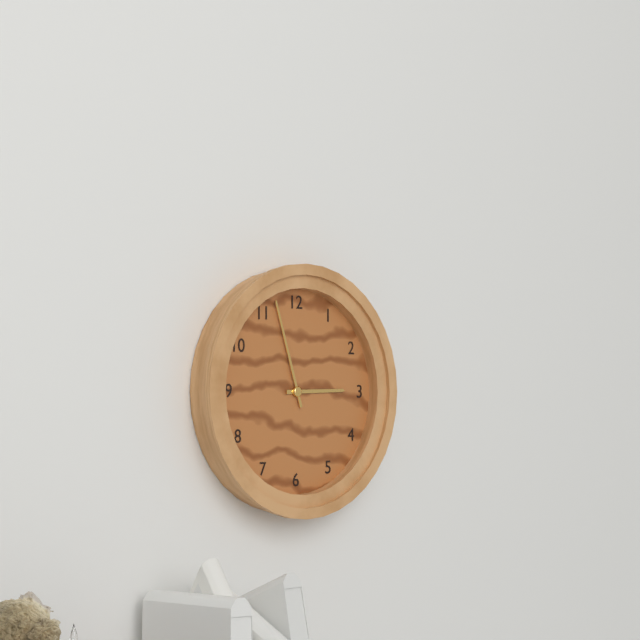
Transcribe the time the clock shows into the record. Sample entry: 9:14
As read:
2:57
